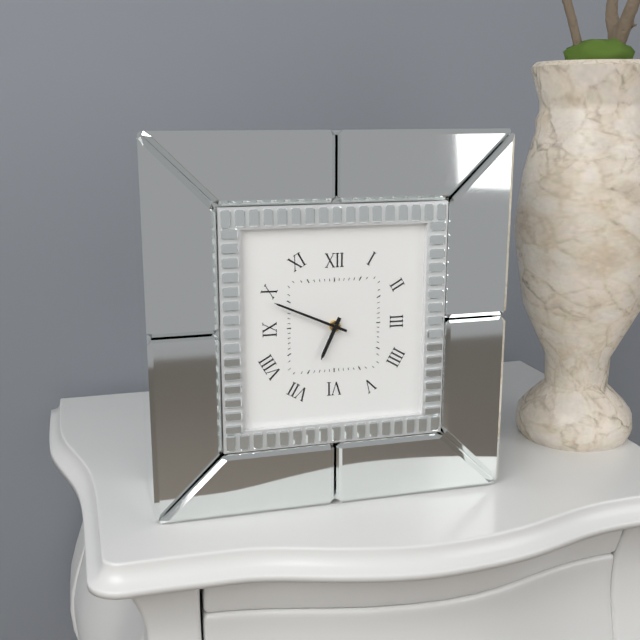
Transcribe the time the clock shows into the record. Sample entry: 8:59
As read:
6:49
